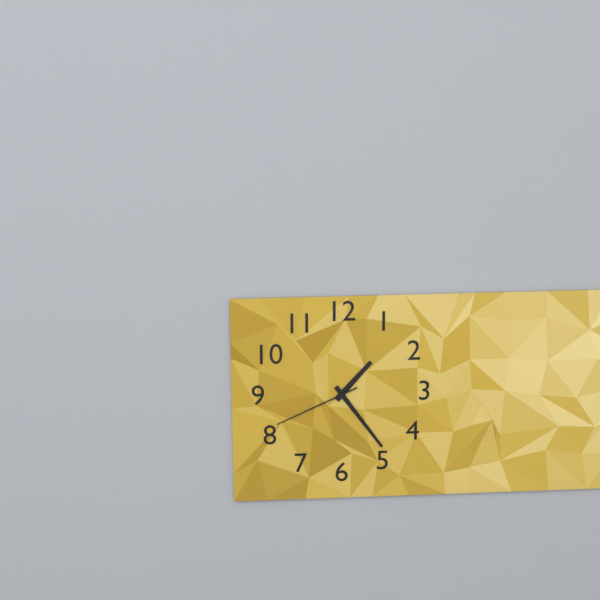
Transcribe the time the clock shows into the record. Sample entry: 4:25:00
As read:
1:24:41
